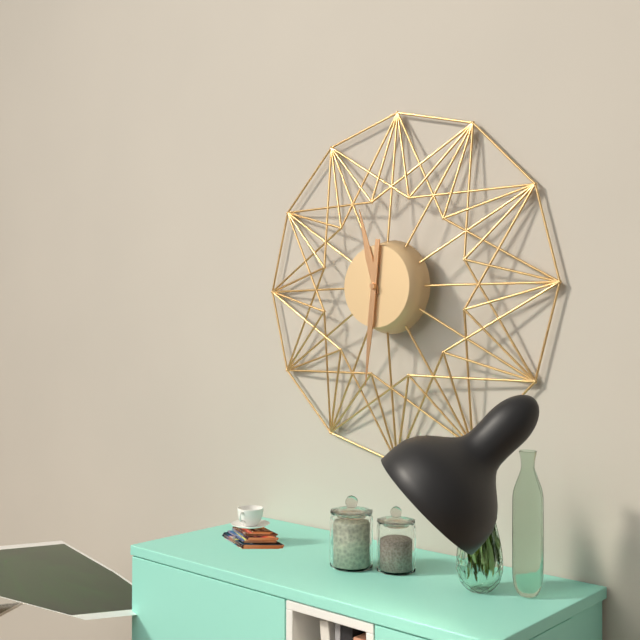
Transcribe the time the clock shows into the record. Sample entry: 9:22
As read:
11:31
